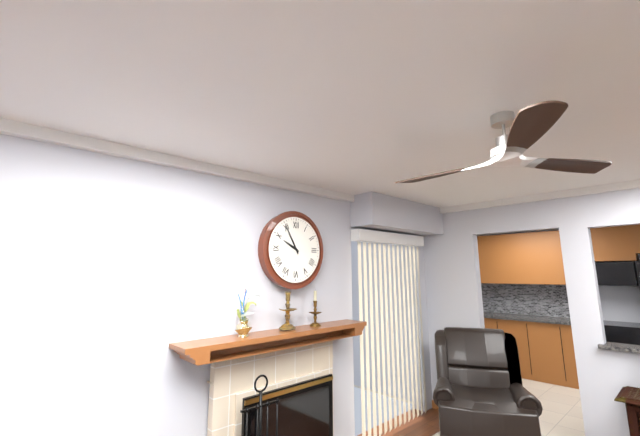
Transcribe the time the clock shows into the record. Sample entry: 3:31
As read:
9:55
